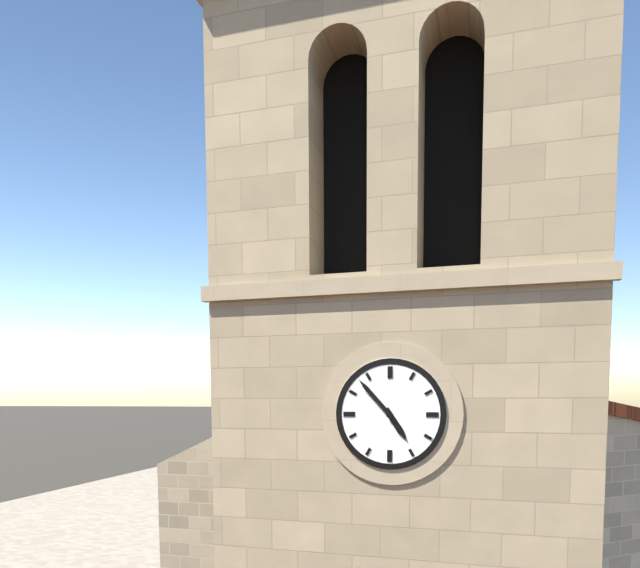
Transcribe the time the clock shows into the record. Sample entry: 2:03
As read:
4:53
